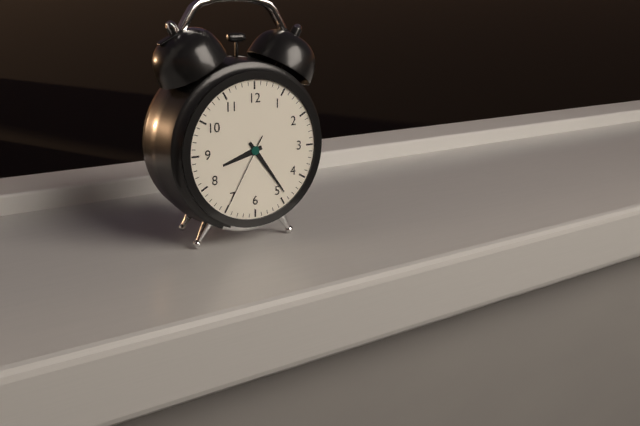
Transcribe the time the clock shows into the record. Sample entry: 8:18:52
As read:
8:24:35
